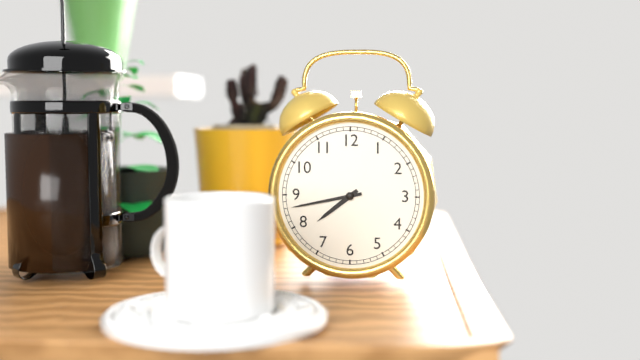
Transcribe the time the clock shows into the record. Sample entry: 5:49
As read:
7:43
